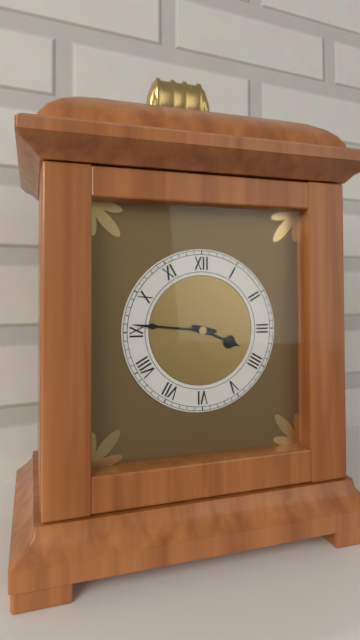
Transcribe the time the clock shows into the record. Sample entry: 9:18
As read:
3:46
